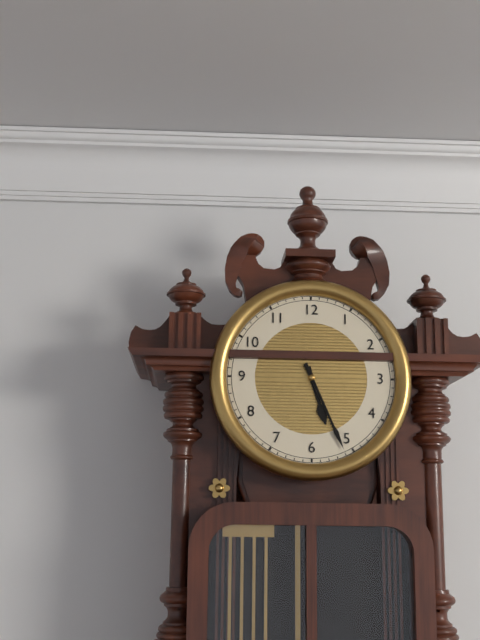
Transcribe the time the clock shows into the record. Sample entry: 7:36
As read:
5:26
